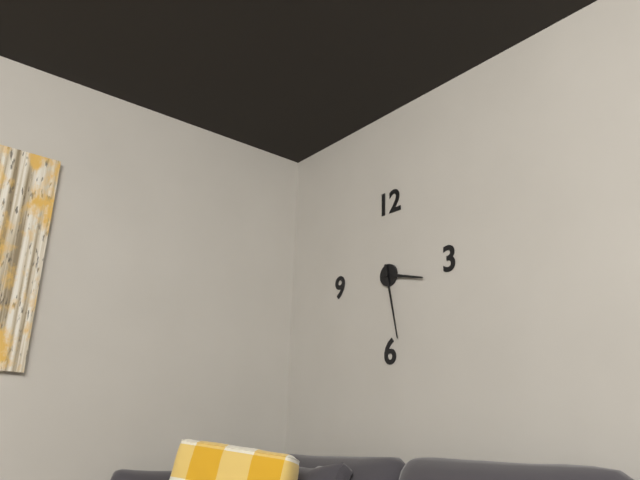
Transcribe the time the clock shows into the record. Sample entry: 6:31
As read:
3:28
